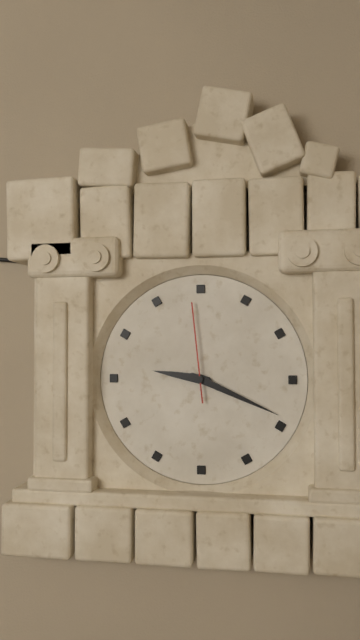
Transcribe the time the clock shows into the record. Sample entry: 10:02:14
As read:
9:19:59
